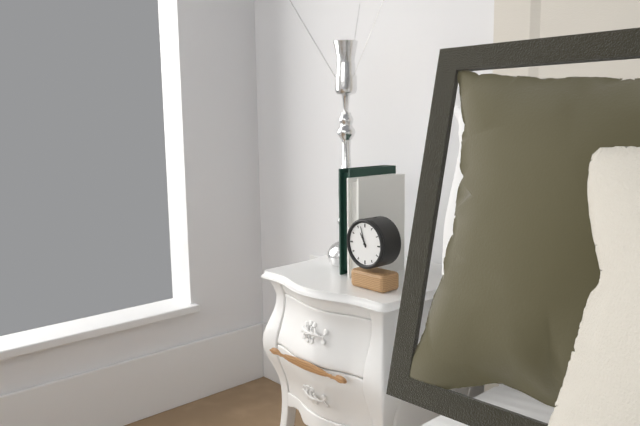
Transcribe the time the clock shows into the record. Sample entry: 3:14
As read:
10:57
